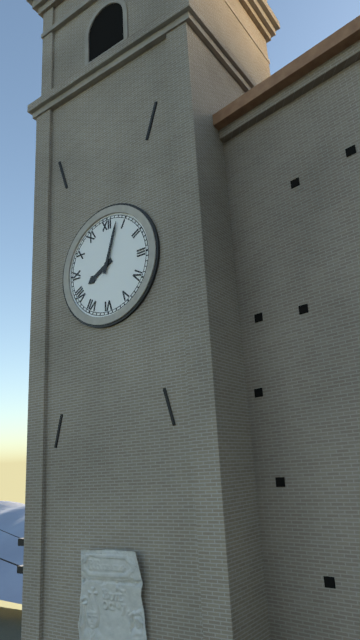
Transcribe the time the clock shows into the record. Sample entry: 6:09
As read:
8:03
